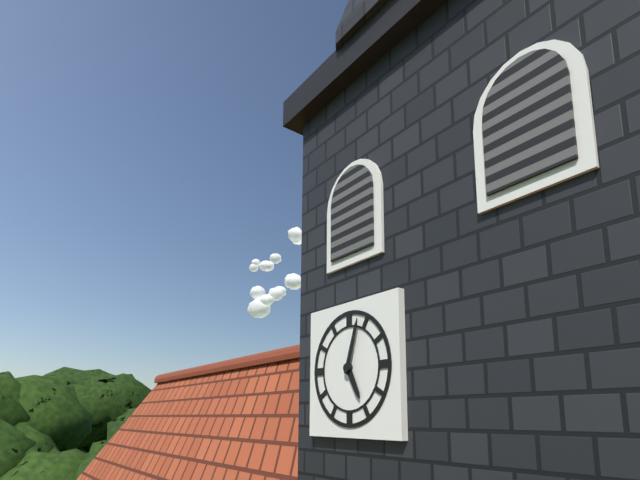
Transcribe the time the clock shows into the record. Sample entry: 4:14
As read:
5:03
